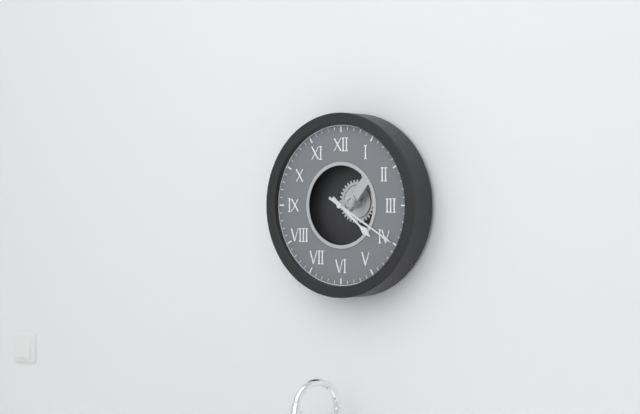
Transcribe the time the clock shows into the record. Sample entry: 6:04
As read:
4:20
